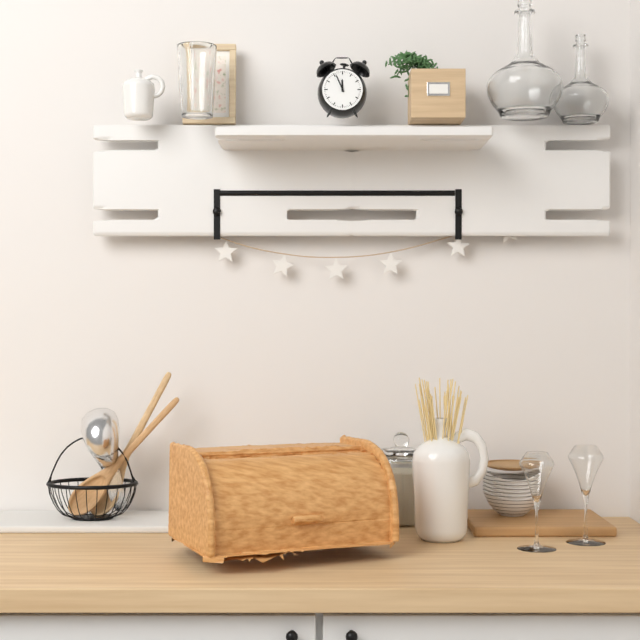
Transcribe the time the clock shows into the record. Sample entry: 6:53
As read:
11:56
